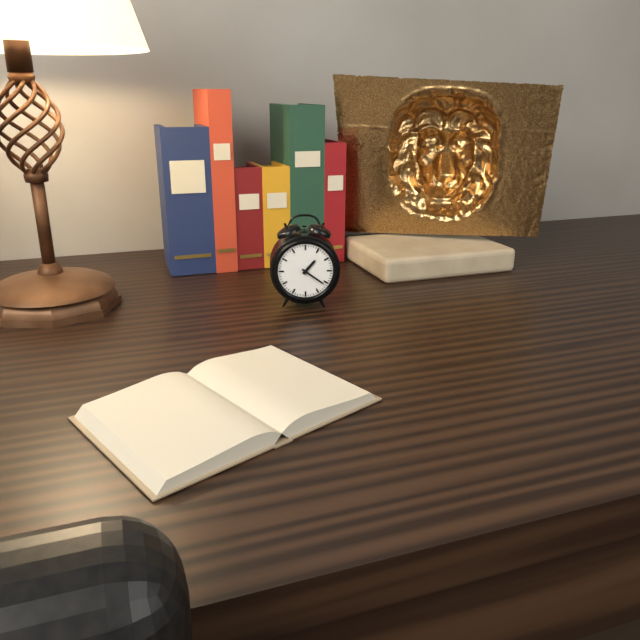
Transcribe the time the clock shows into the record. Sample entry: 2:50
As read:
1:21
